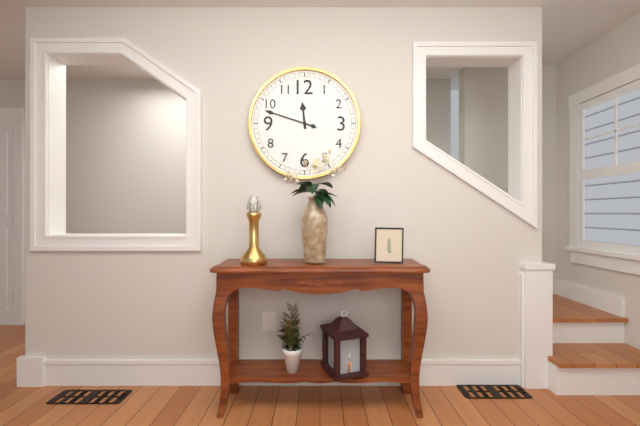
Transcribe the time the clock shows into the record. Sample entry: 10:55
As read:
11:48
